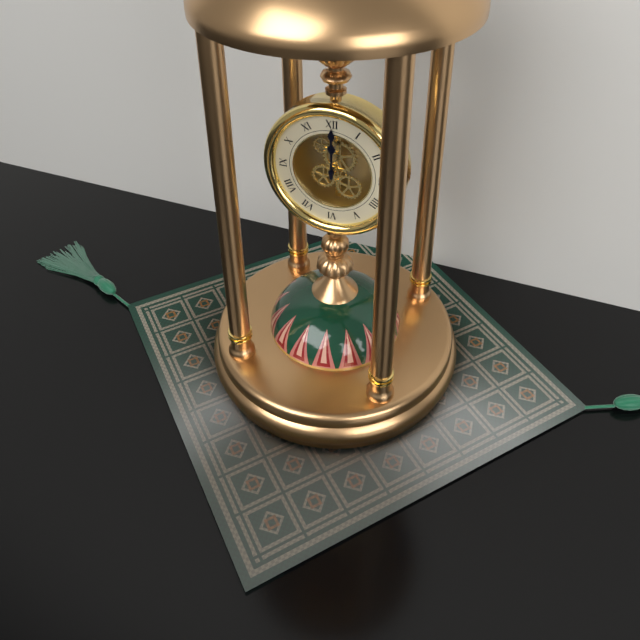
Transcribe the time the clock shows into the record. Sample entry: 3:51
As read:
12:00
